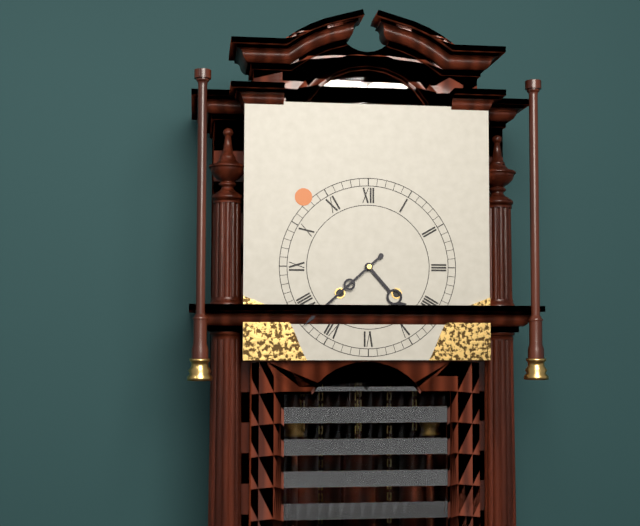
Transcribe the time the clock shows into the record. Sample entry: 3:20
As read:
4:38
